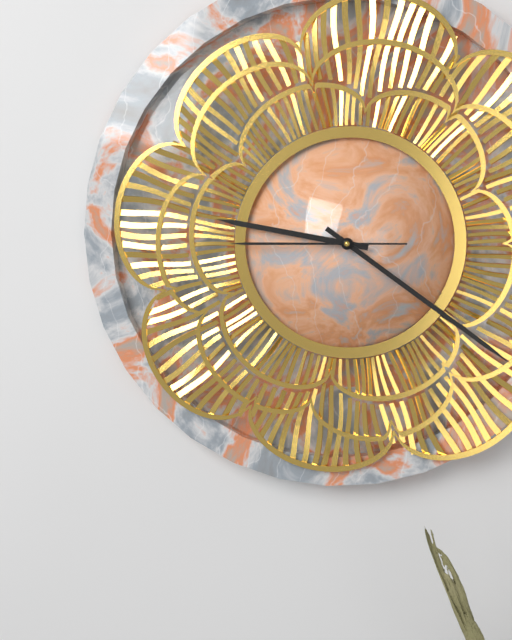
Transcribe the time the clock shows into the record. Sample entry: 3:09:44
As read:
9:21:45
